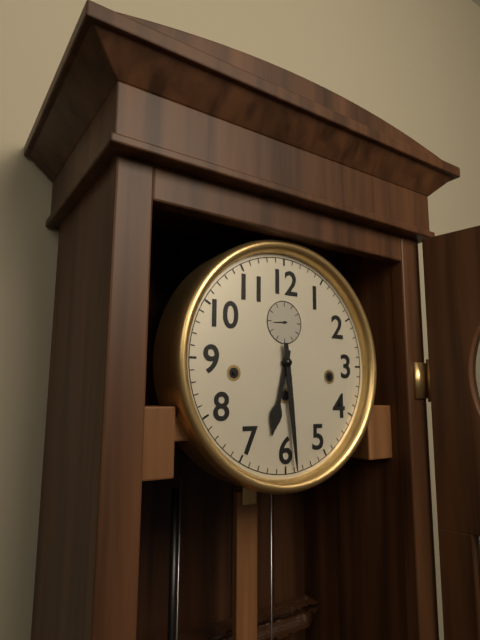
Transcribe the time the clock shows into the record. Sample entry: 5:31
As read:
6:29
